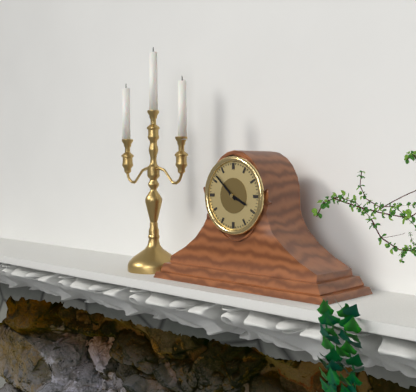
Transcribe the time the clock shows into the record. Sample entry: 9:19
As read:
3:52
